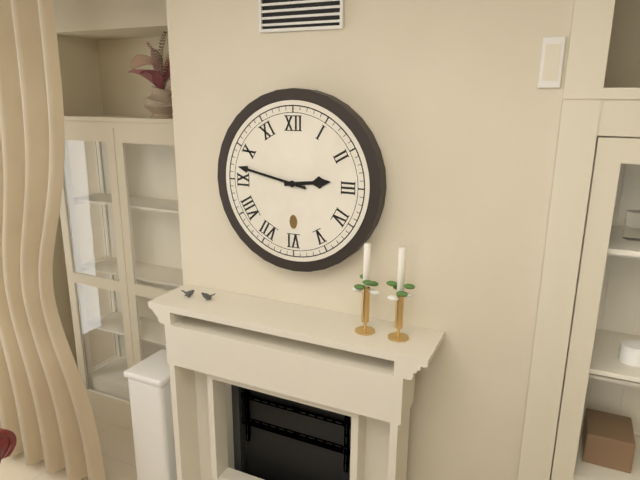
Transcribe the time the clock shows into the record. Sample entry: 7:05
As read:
2:47
